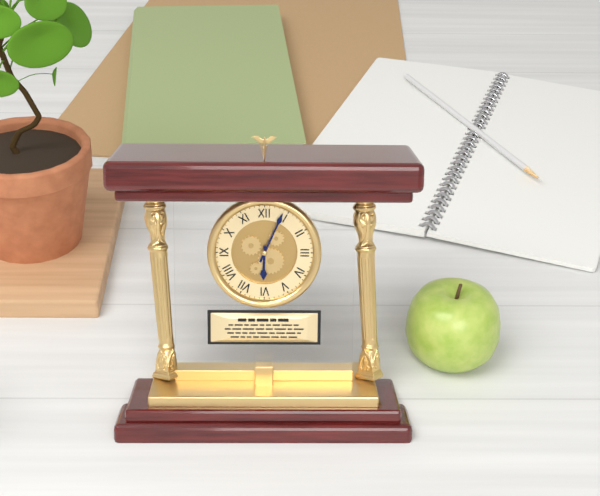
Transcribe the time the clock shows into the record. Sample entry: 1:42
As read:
6:04
